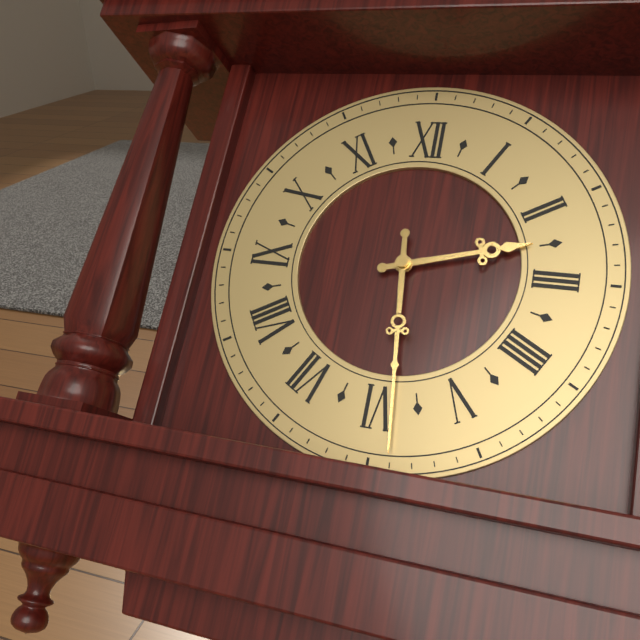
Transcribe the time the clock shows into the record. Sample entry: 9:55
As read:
2:29
